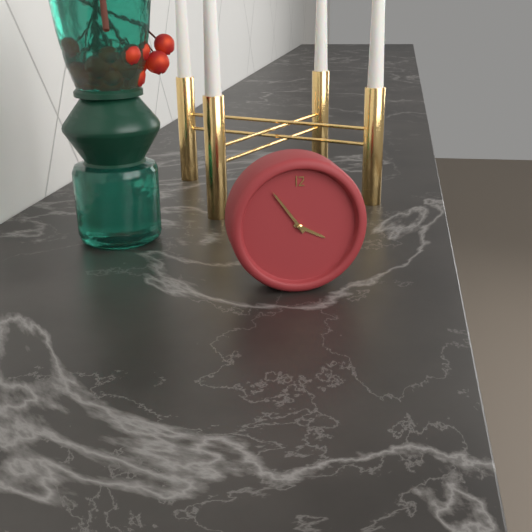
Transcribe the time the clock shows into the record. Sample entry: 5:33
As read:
3:54
